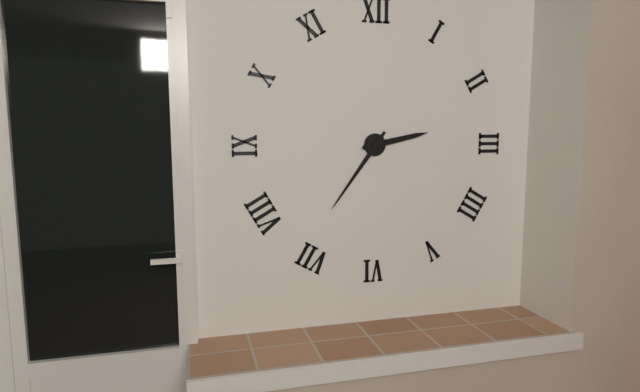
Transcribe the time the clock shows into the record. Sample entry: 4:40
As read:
2:36
